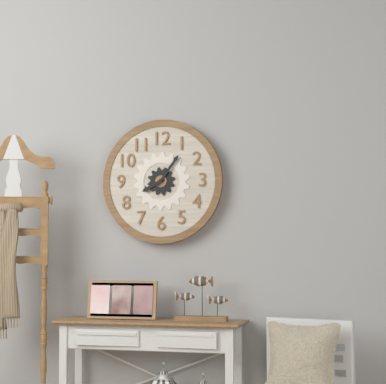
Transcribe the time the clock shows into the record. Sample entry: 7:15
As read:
8:06
